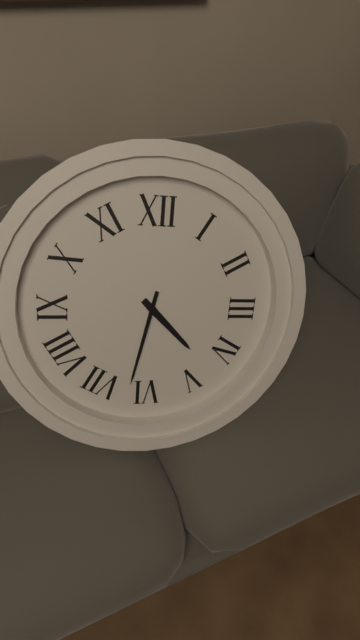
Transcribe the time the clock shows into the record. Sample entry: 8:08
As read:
4:32
